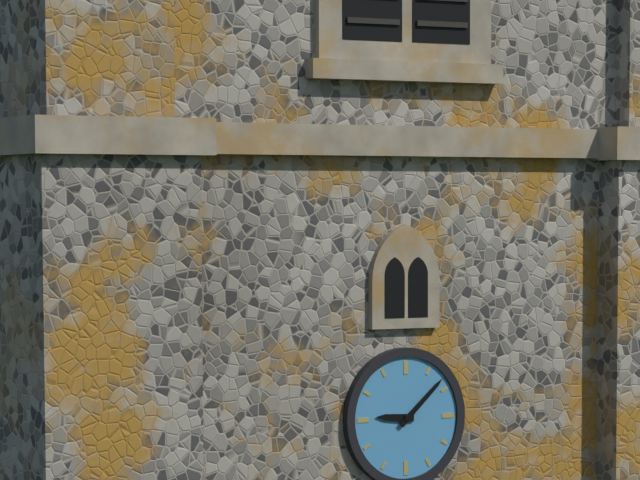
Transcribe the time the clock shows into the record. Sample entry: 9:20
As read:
9:08
